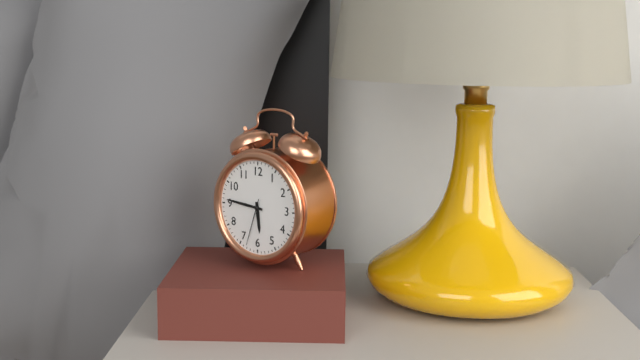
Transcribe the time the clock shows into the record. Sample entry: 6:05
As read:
5:46
